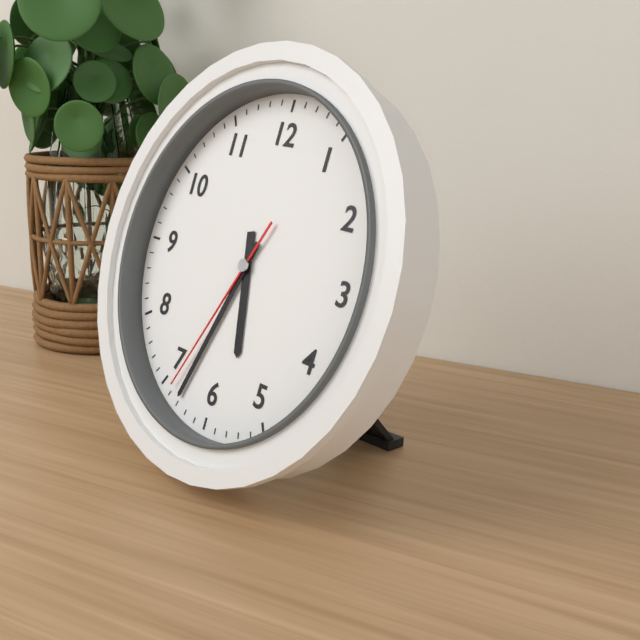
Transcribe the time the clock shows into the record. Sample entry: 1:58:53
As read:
5:33:34
